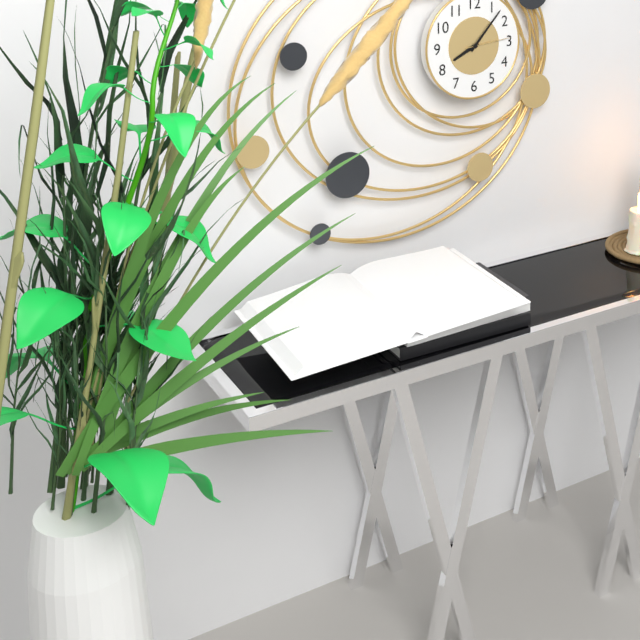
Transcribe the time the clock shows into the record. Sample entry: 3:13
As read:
8:07
